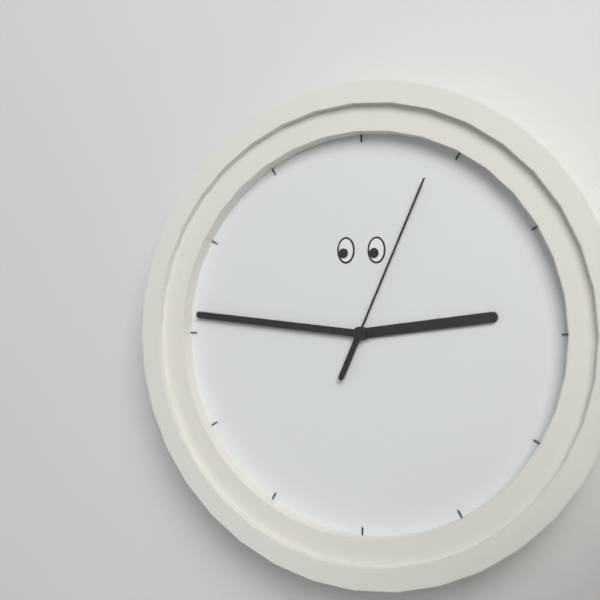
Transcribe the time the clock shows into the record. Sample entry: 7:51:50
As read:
2:46:04
